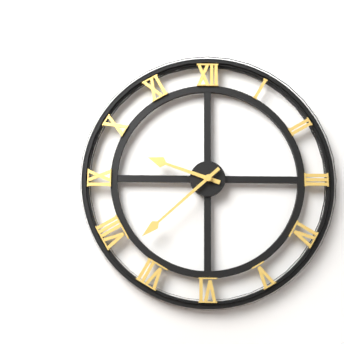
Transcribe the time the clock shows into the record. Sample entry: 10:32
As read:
9:38
